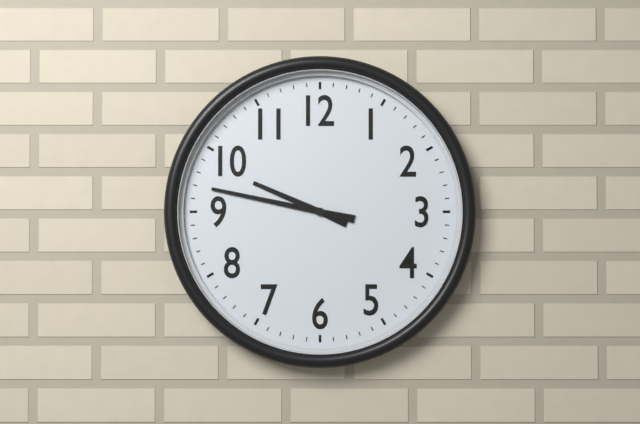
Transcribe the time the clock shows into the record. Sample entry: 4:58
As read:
9:47
